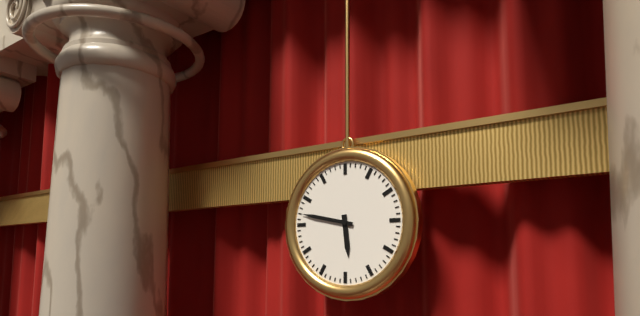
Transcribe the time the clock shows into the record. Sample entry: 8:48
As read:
5:47
